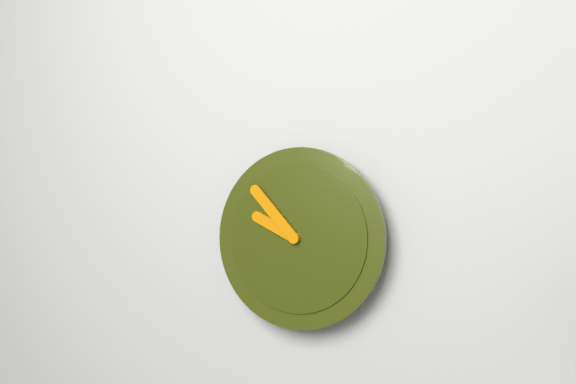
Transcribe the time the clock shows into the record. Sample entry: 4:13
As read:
9:53
